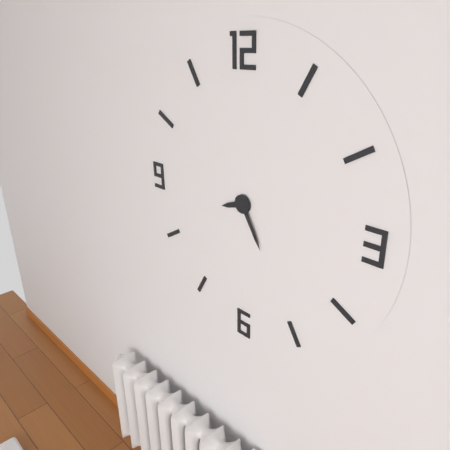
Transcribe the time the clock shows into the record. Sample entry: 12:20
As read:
8:25
